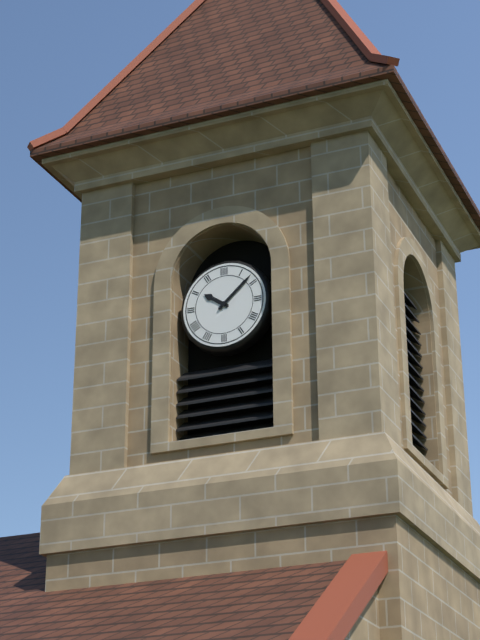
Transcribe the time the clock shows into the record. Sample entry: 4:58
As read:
10:08
